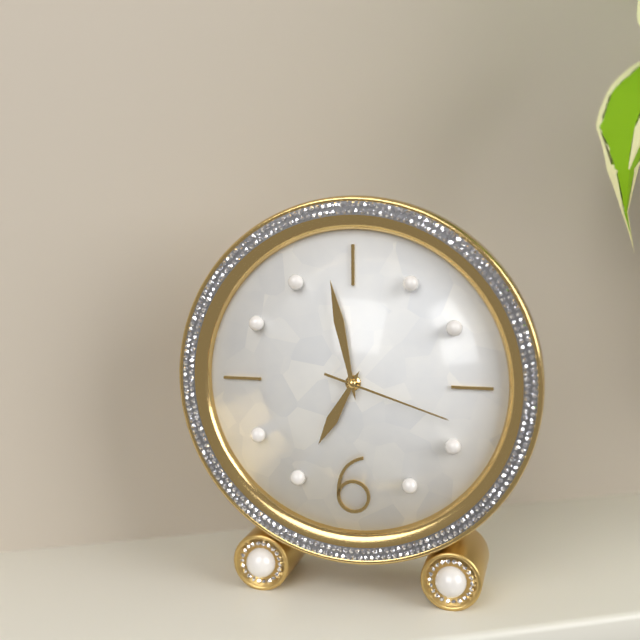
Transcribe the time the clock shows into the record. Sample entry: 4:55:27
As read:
6:58:18
